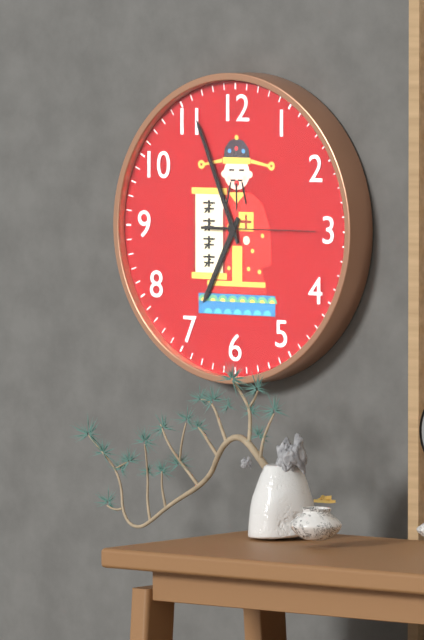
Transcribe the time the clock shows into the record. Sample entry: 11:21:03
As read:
6:56:15
